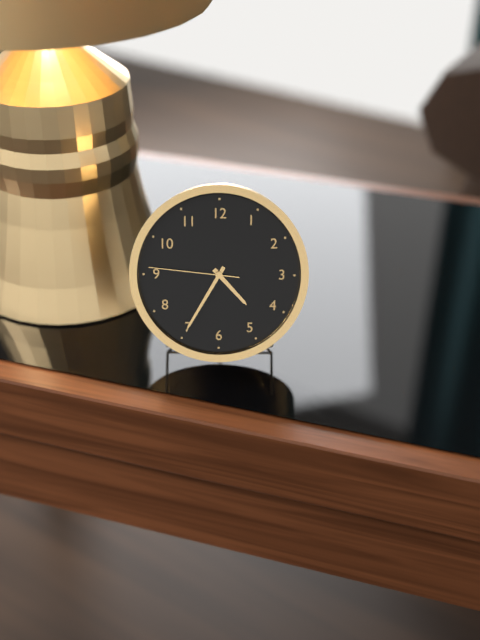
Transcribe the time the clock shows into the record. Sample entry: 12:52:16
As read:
4:35:46
